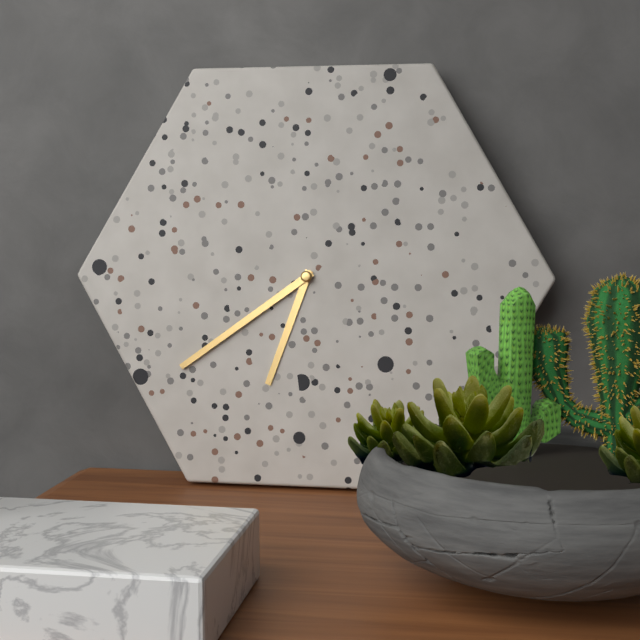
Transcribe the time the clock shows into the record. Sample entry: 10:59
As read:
6:39
